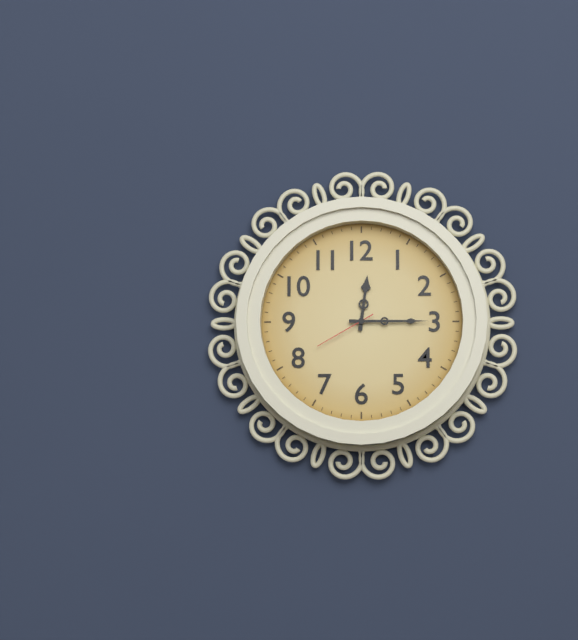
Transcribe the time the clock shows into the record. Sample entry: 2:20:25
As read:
12:15:40
